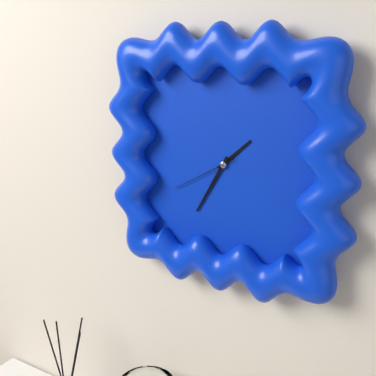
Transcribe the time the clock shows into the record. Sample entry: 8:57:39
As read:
1:35:40
